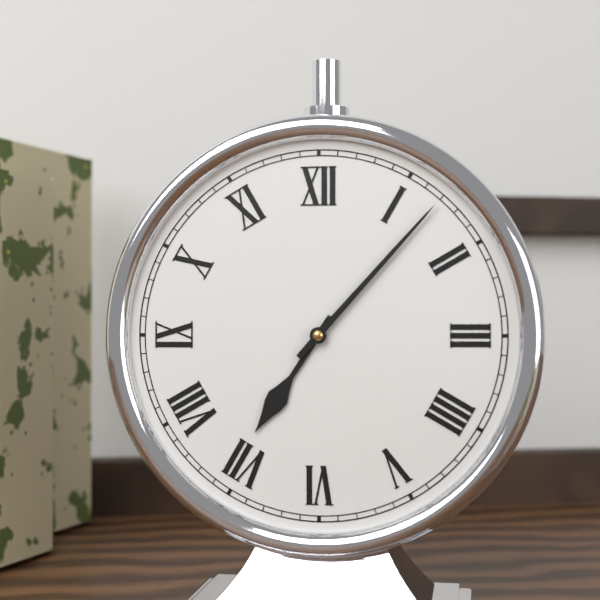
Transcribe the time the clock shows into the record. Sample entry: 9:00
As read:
7:07
